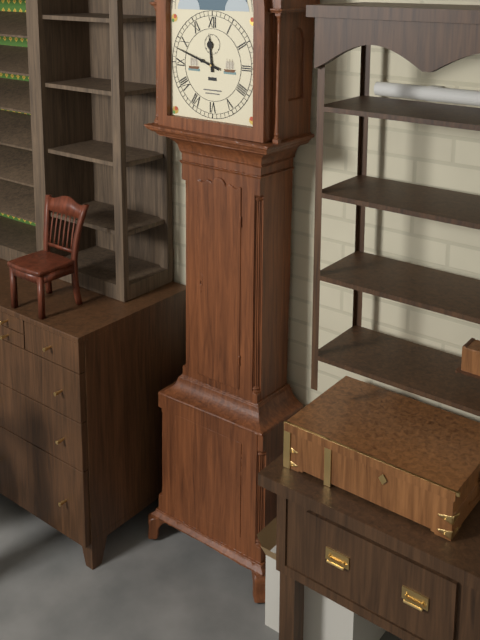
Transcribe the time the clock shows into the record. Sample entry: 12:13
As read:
11:48
